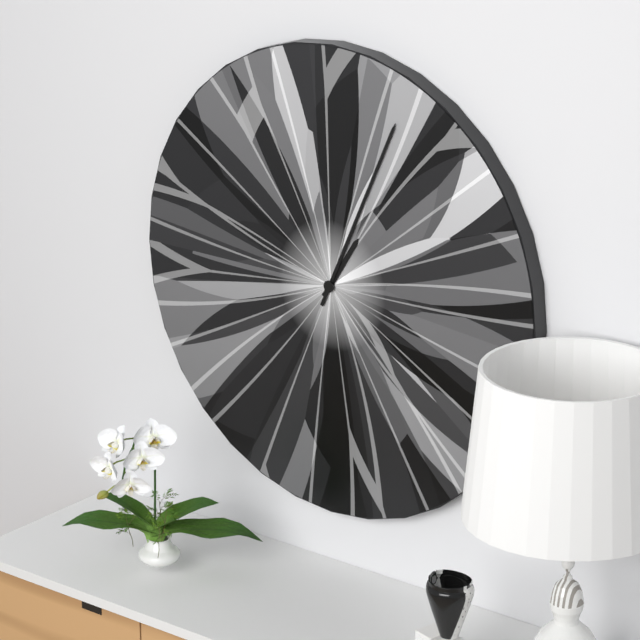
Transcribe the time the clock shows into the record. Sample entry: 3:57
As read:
1:04
